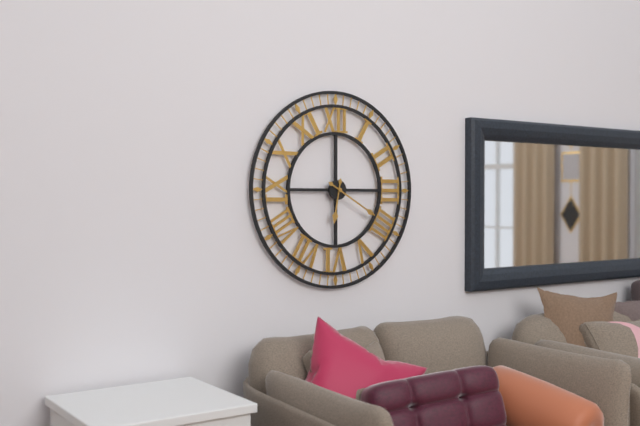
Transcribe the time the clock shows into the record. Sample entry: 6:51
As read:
6:20
